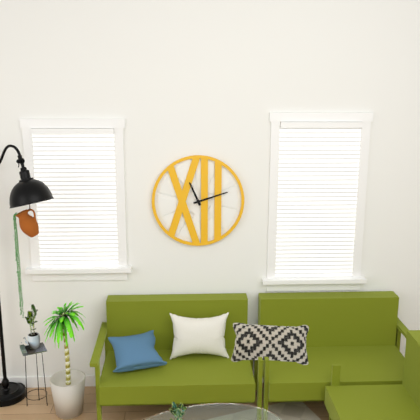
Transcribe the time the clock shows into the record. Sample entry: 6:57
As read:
11:12
